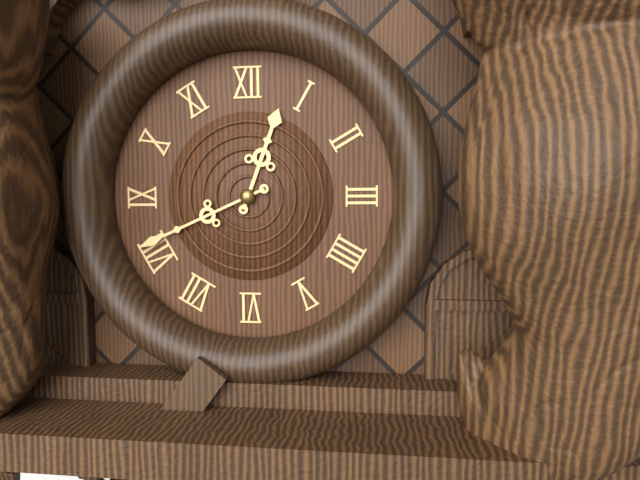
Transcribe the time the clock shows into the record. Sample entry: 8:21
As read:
12:41
